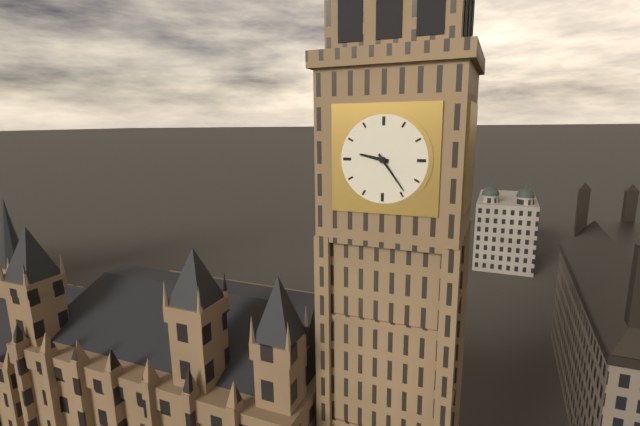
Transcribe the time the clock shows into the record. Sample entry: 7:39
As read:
9:24
